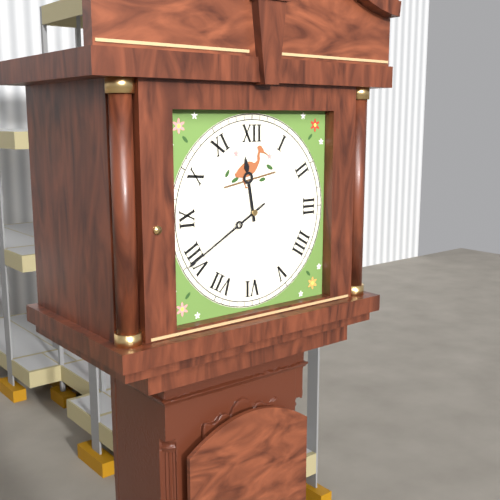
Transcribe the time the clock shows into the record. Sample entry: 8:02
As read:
11:40
